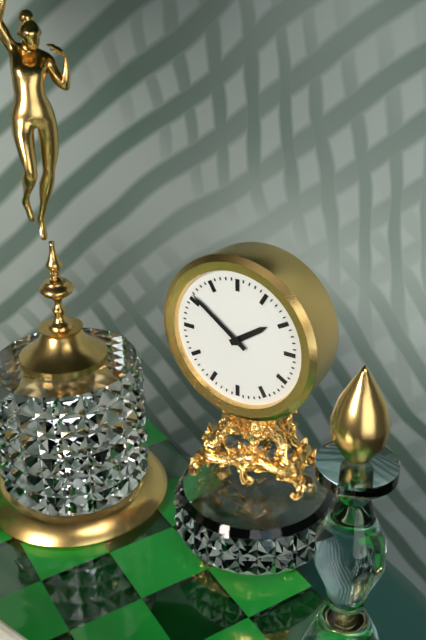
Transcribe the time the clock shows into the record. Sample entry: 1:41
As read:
1:51
